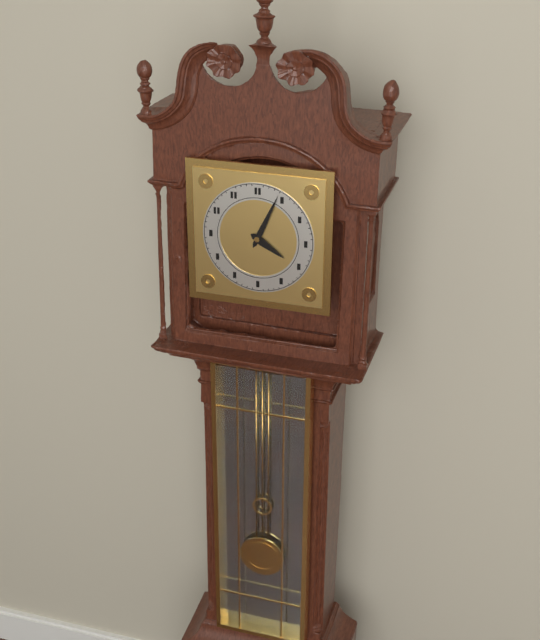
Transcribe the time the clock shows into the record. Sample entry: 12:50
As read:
4:04
